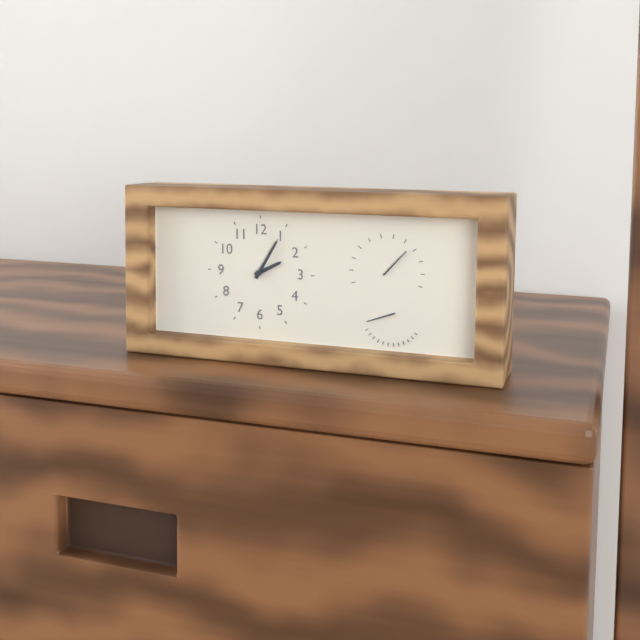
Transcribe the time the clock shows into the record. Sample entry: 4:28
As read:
2:05
